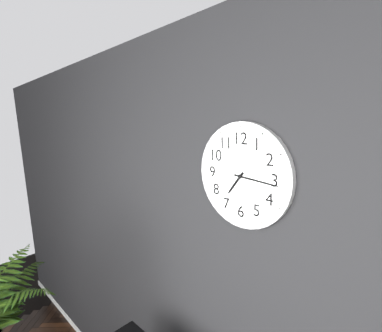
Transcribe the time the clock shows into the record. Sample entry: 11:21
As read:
7:16
